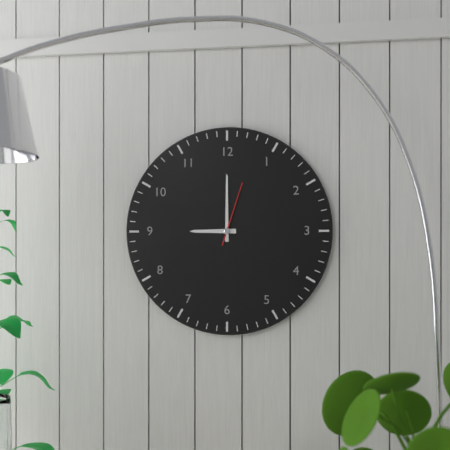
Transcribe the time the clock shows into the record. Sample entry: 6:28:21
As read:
9:00:03
